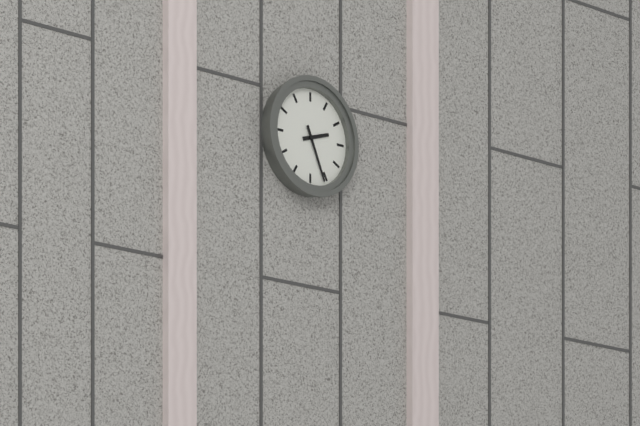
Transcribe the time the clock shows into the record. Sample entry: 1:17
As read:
2:26
